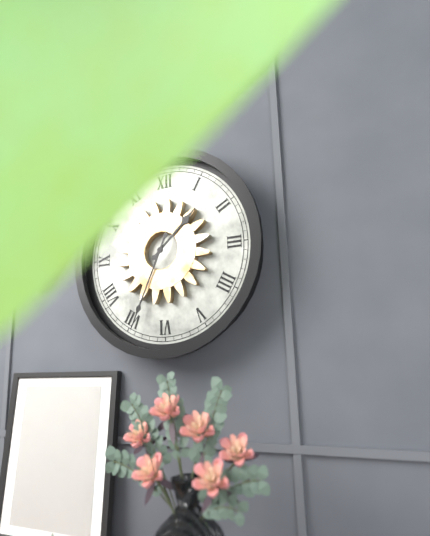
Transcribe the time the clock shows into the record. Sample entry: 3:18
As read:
1:34
